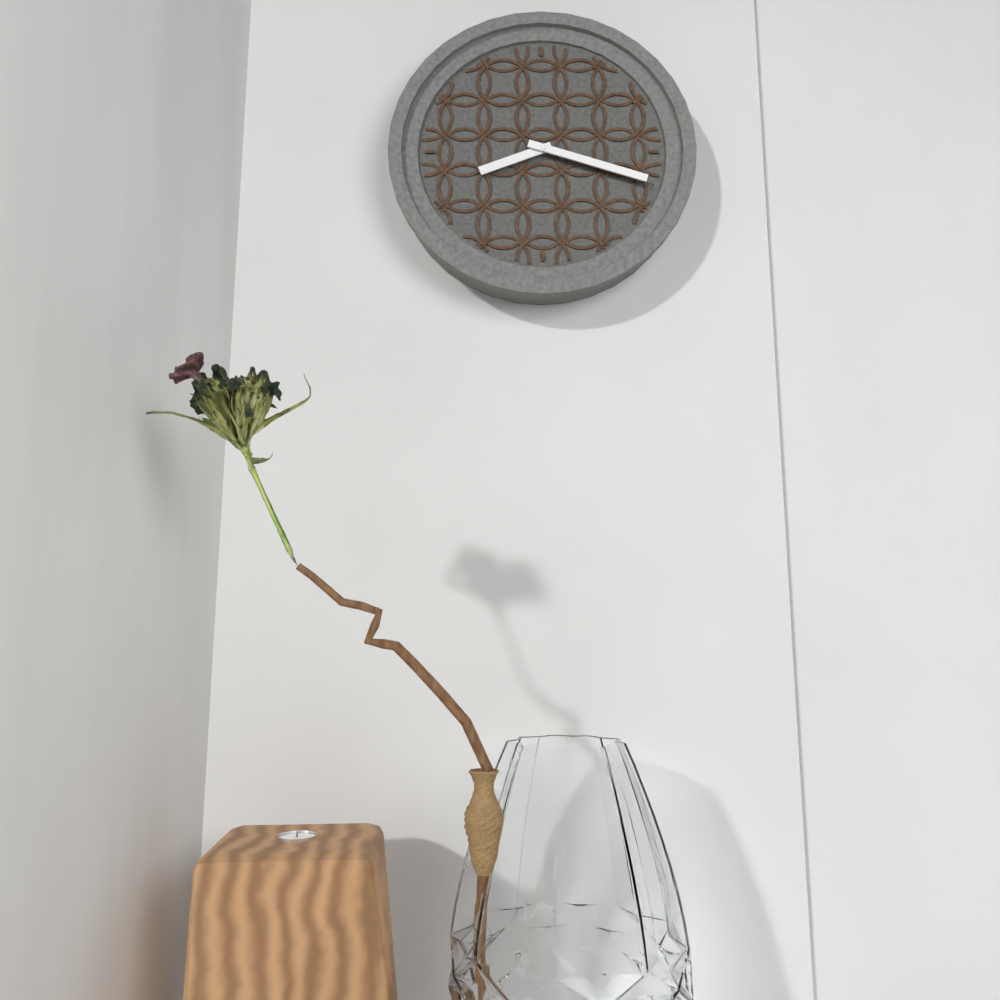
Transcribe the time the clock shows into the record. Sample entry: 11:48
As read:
8:18
